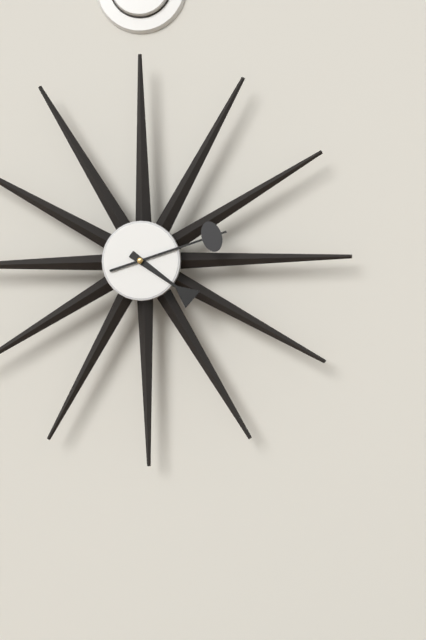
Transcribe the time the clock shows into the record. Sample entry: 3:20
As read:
4:12
